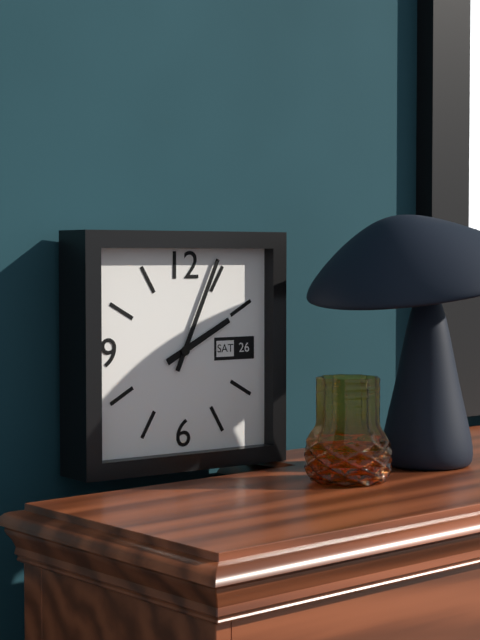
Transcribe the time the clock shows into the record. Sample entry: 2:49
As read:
2:04
